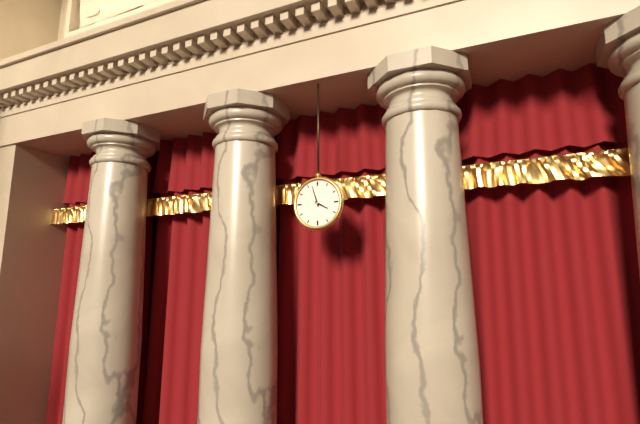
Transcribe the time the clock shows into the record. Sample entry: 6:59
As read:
3:57
